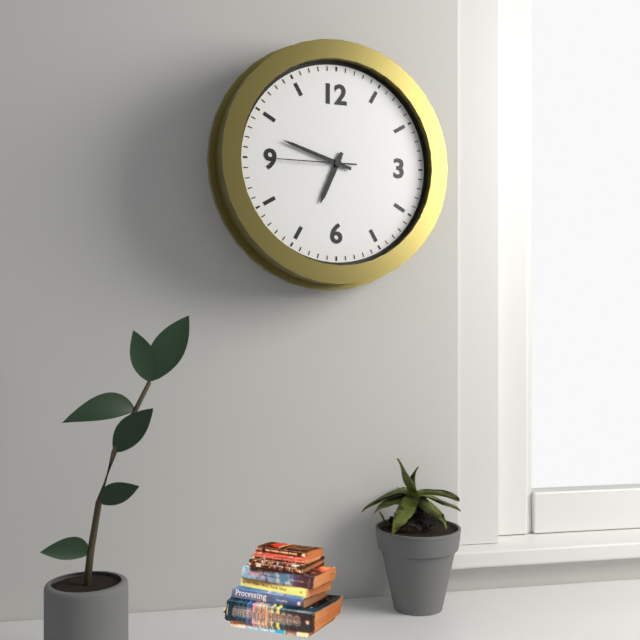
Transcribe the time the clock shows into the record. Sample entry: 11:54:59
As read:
6:48:45
